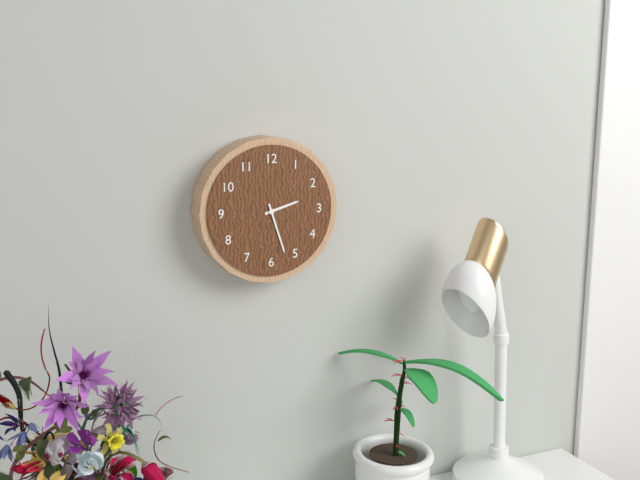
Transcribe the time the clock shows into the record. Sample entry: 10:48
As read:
2:27
